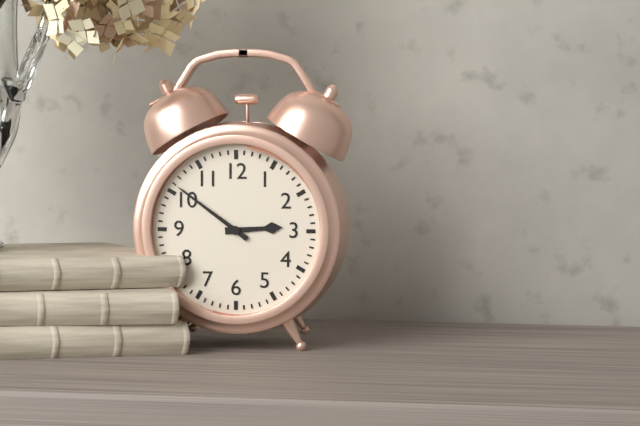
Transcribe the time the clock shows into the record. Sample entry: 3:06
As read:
2:51
